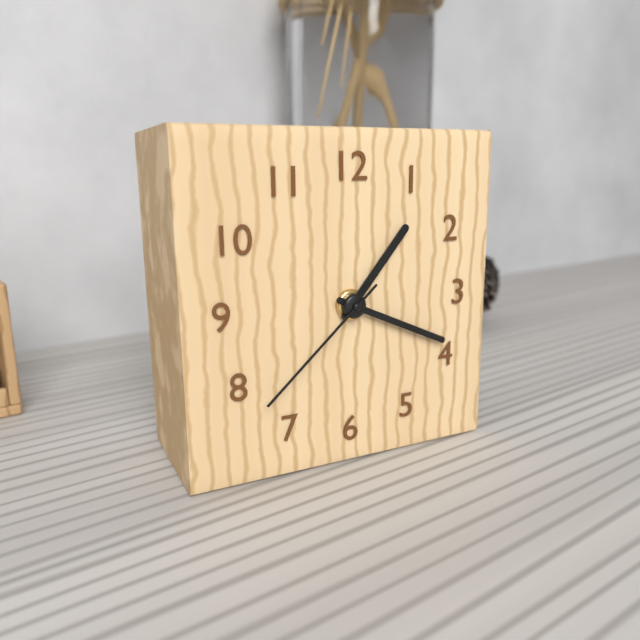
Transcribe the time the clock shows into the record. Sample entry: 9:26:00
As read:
1:19:38
